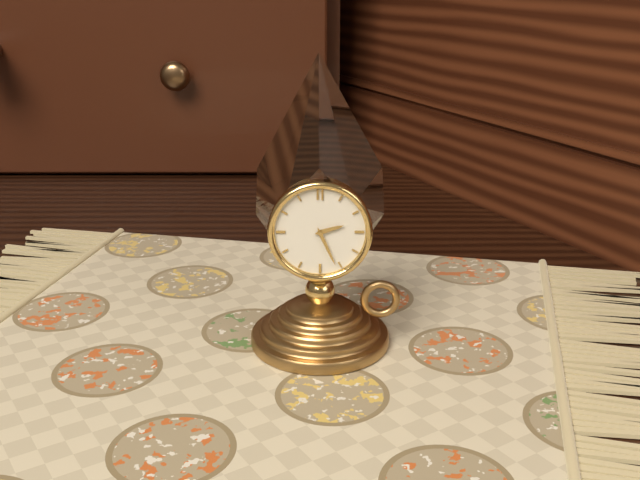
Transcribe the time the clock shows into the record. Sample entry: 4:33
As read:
2:26
